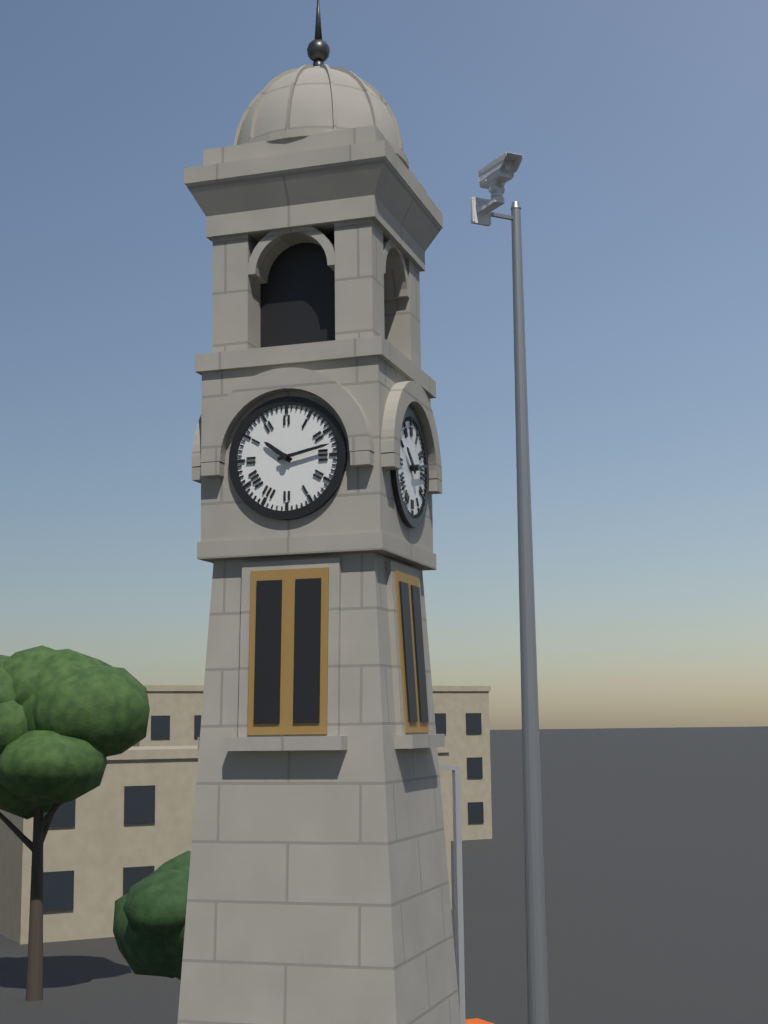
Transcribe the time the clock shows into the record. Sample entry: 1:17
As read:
10:13
